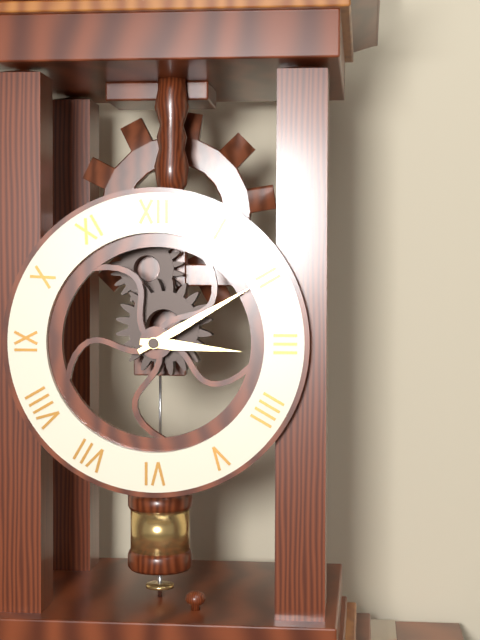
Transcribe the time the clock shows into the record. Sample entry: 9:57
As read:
3:10
